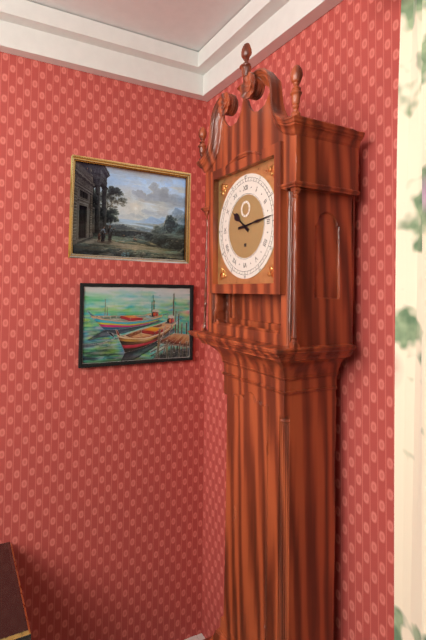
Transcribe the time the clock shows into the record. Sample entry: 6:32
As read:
10:14
